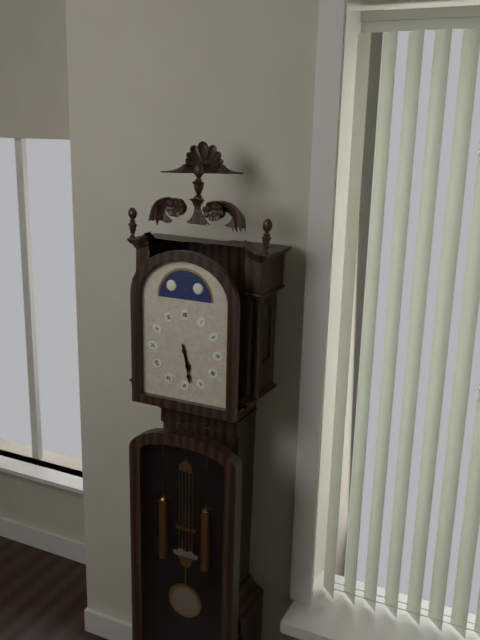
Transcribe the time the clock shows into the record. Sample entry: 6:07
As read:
5:28
